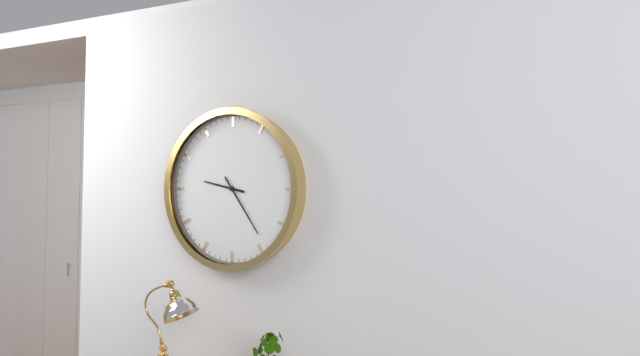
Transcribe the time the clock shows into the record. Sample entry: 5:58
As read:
9:24
